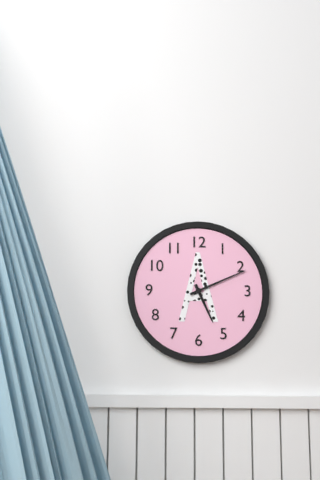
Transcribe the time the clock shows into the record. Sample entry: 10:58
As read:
5:11
